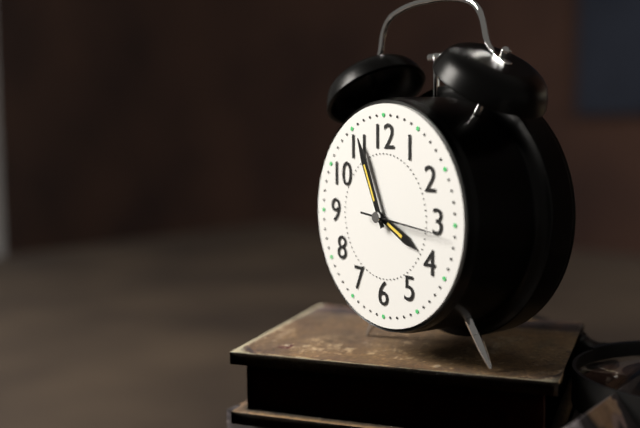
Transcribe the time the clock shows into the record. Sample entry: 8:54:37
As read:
3:56:16
